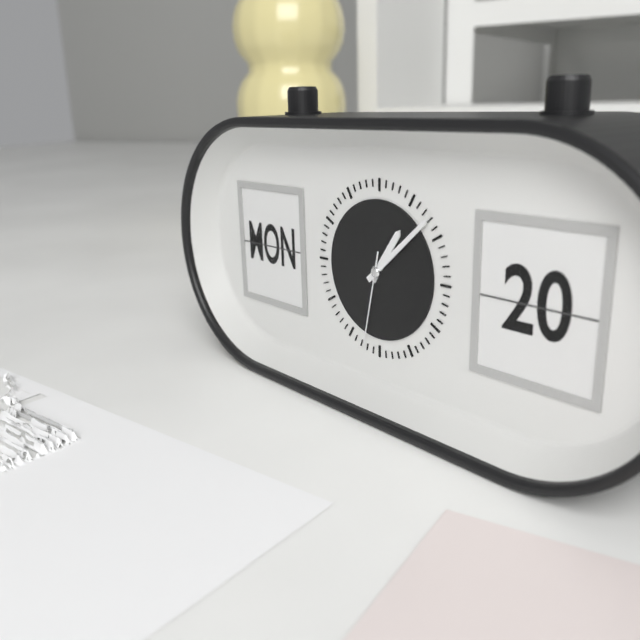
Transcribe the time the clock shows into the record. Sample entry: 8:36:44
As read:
1:08:32
